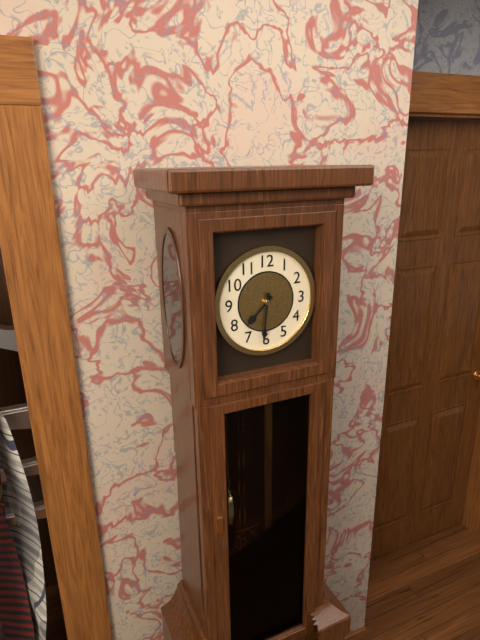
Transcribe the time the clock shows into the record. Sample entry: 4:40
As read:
7:31
